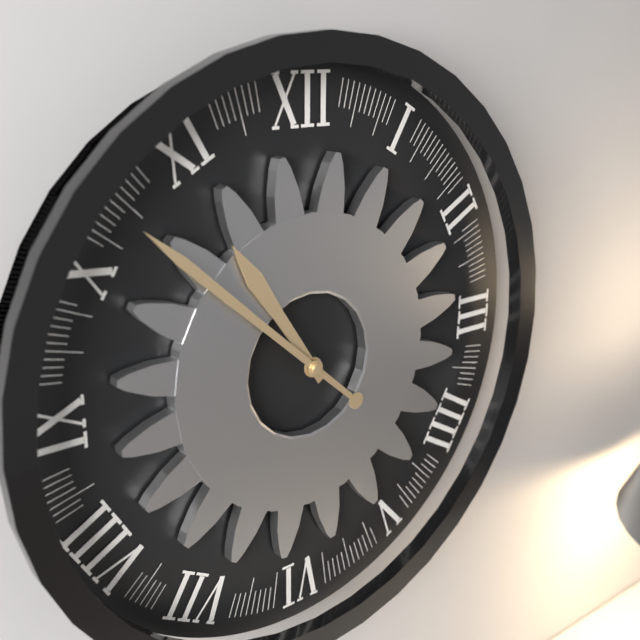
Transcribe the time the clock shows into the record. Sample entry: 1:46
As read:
10:52
